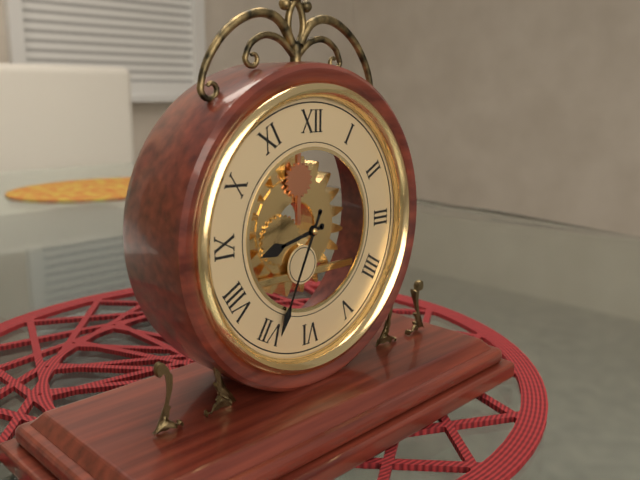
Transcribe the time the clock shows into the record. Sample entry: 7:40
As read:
8:34
